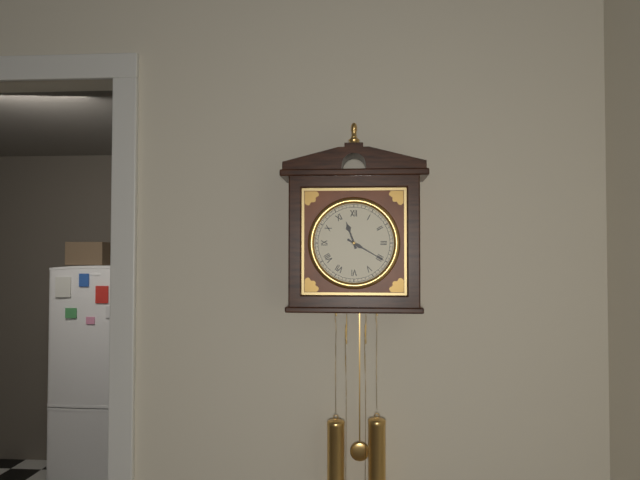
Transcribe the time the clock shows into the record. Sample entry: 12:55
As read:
11:20
